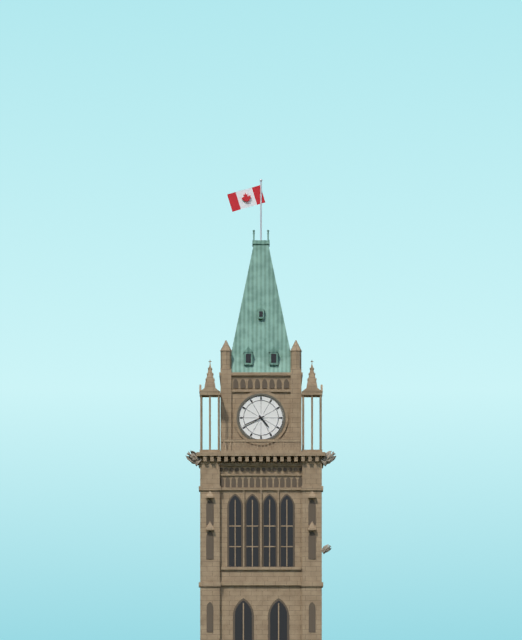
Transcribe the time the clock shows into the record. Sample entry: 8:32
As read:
4:41
